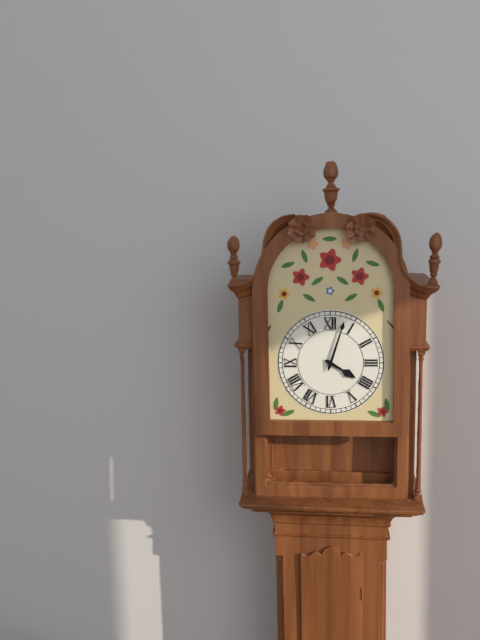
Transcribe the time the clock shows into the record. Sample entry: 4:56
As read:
4:03
